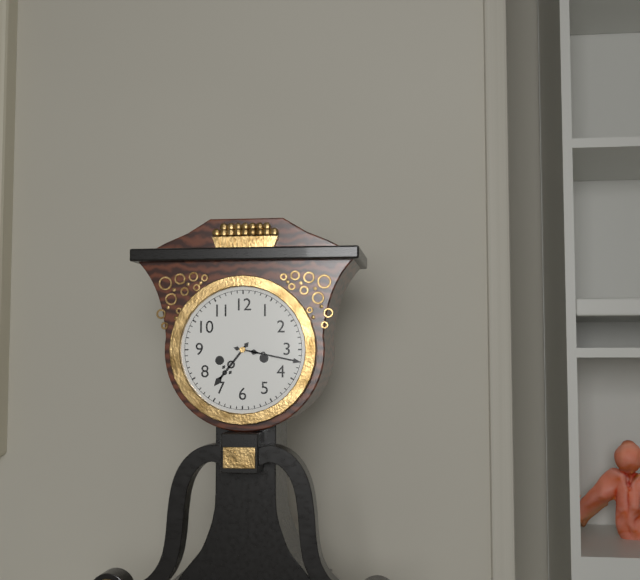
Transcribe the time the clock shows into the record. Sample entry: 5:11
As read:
7:17
